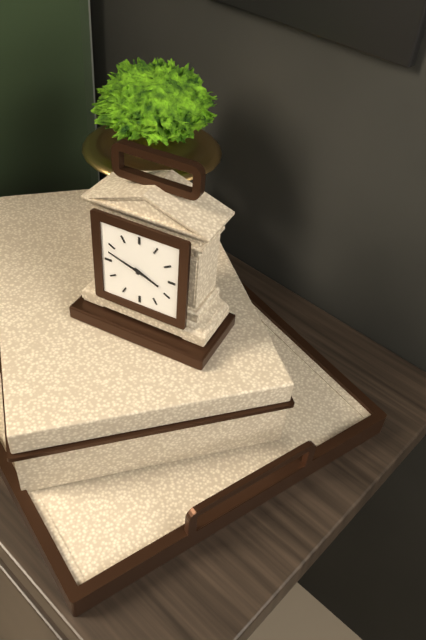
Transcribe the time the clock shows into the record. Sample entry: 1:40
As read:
3:48
